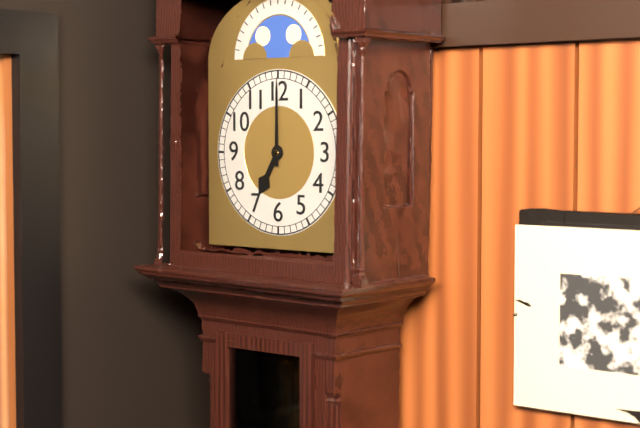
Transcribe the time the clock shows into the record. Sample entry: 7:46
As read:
7:00
